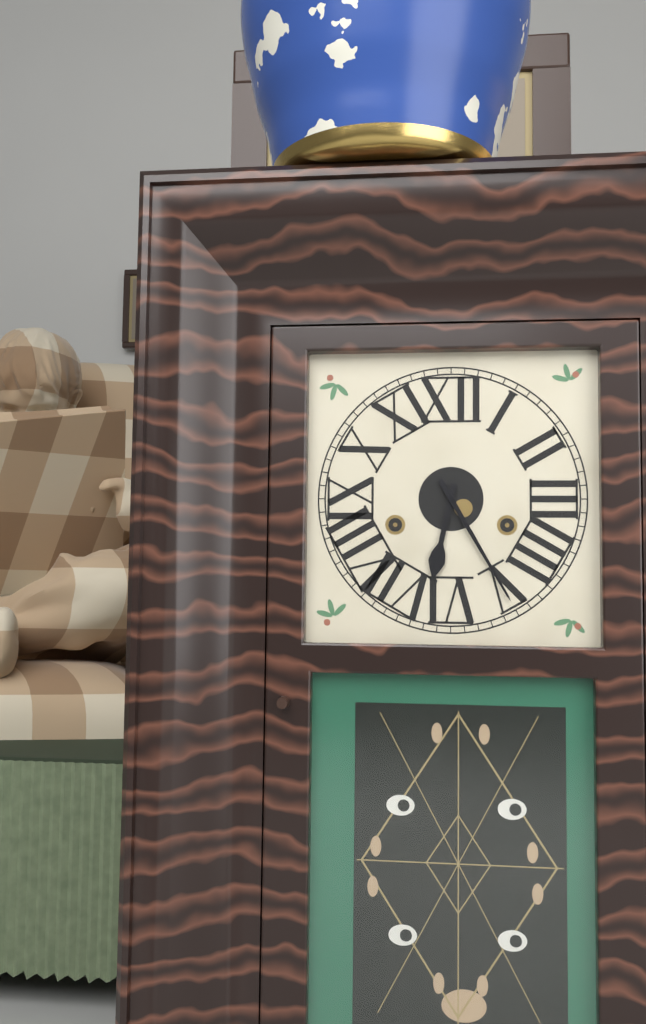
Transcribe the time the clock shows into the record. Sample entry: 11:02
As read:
6:25
